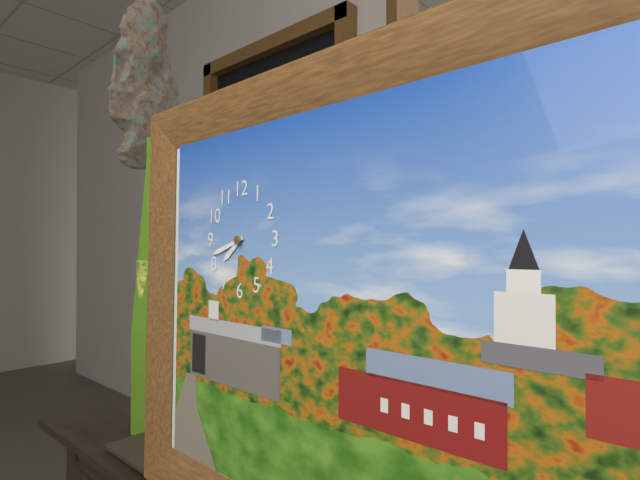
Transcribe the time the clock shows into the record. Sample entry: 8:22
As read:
7:42
